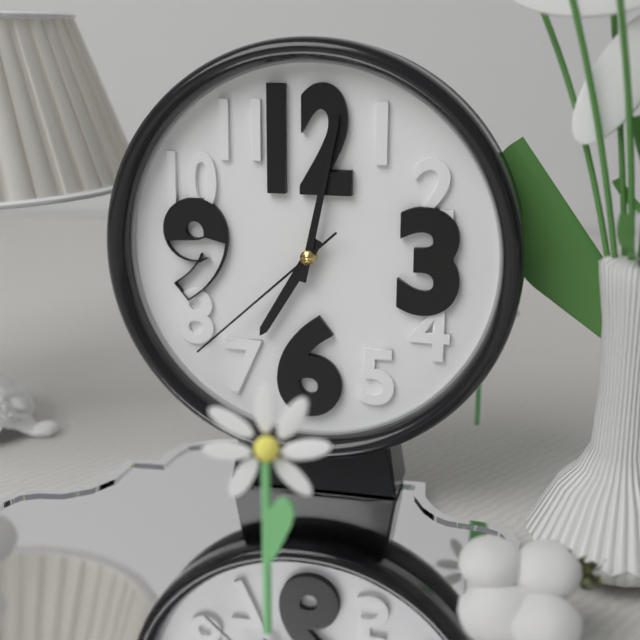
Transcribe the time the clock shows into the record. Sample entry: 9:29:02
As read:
7:02:38
